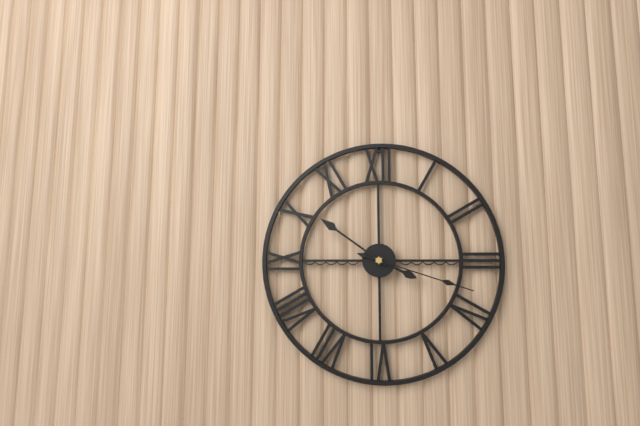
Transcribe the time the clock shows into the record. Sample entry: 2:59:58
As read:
3:51:18
